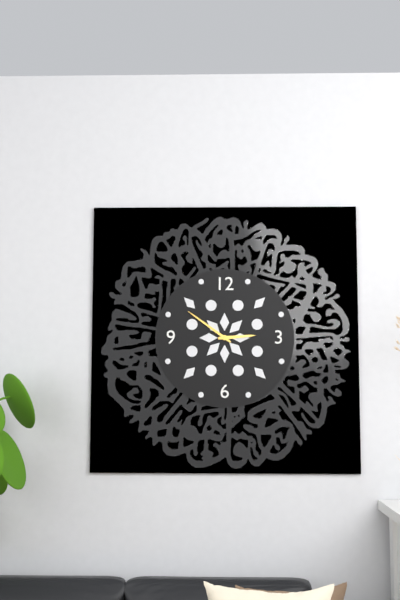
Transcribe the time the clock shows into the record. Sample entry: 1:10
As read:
2:51
